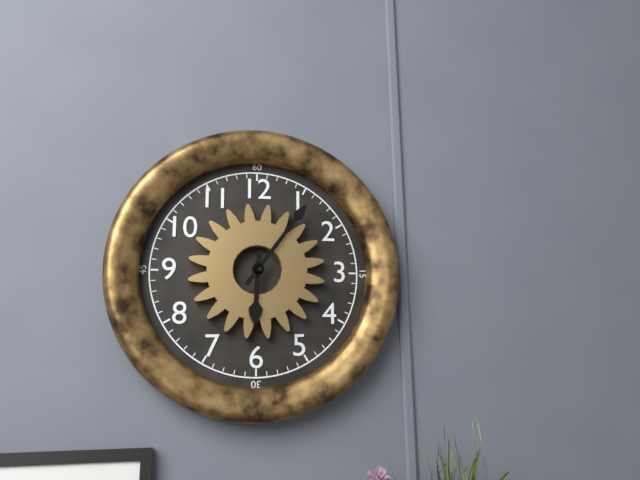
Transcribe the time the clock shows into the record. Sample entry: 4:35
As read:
6:06
